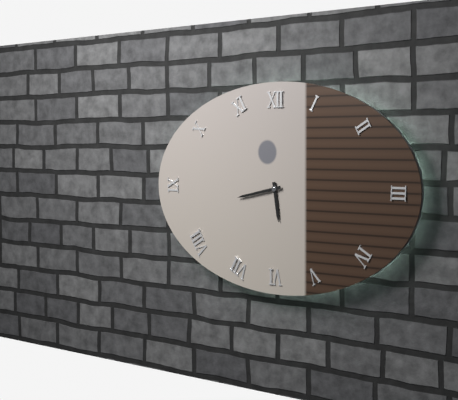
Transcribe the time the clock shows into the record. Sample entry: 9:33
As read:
5:43
